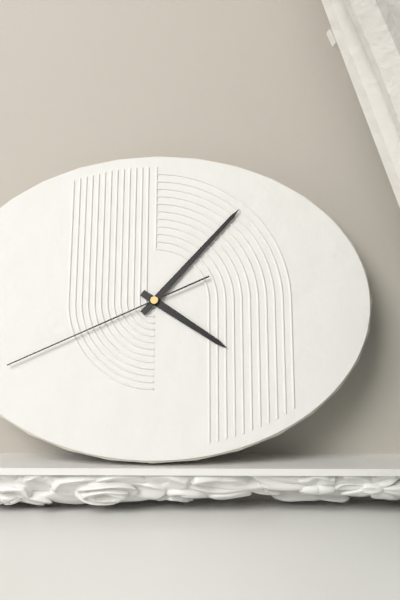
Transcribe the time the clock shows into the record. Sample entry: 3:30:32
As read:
4:07:41
